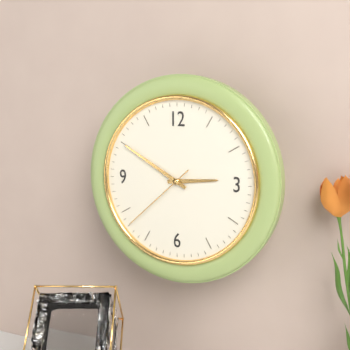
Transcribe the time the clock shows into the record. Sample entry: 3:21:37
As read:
2:50:38
